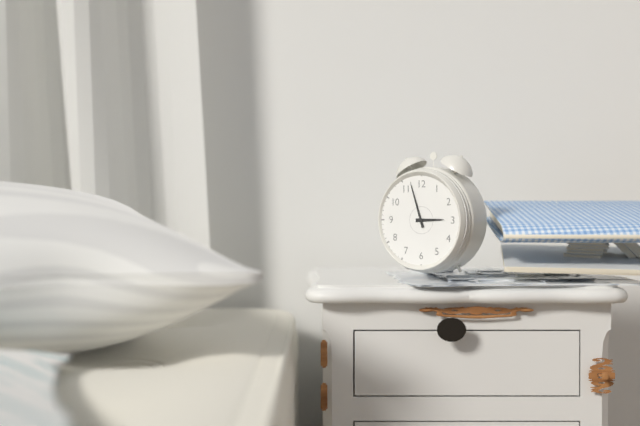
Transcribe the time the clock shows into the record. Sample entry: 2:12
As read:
2:57
